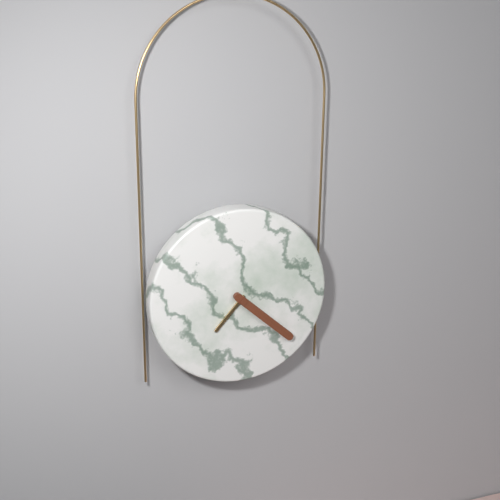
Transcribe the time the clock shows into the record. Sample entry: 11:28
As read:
7:22
